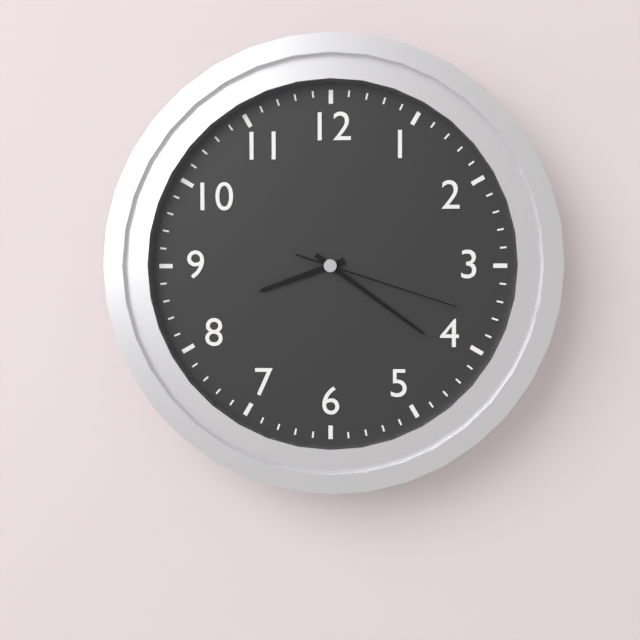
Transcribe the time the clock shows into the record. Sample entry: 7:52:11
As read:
8:21:18
